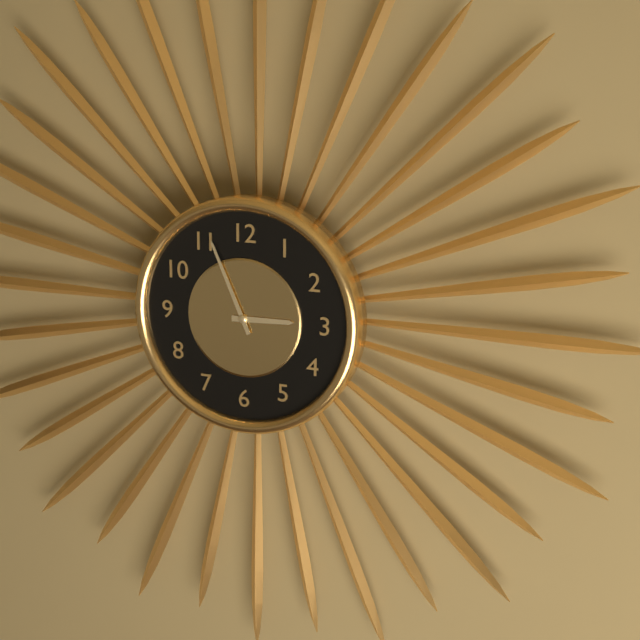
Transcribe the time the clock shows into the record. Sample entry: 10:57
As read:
2:56
